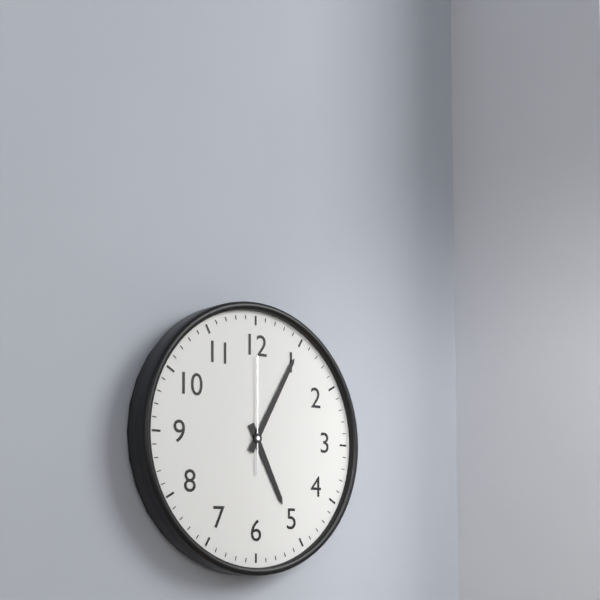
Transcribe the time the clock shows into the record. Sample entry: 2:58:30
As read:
5:05:00
